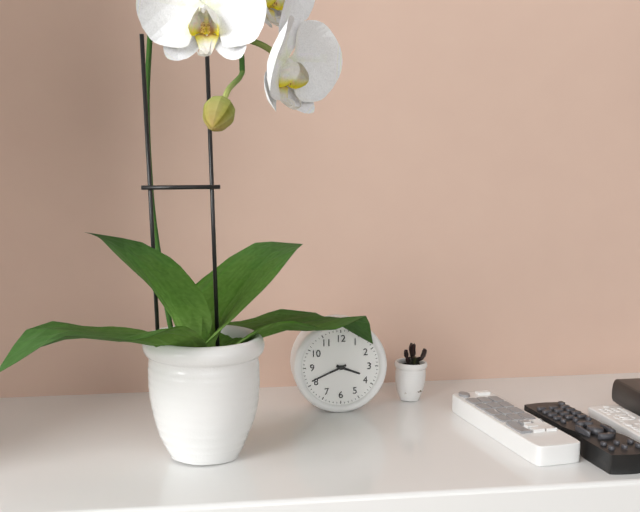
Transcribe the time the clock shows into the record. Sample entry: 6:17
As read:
3:41
